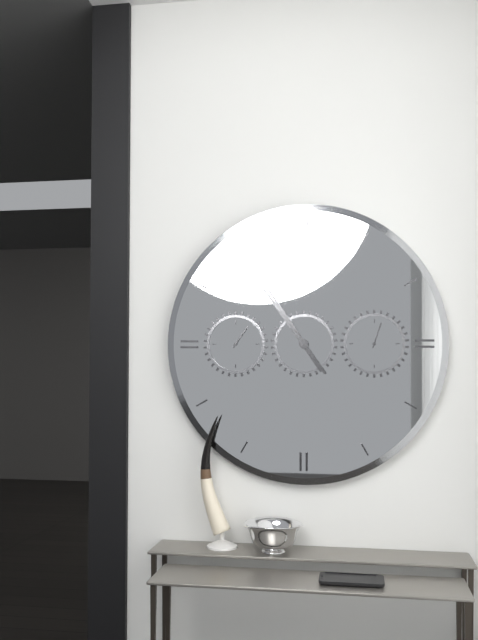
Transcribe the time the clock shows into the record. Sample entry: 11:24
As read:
10:54
